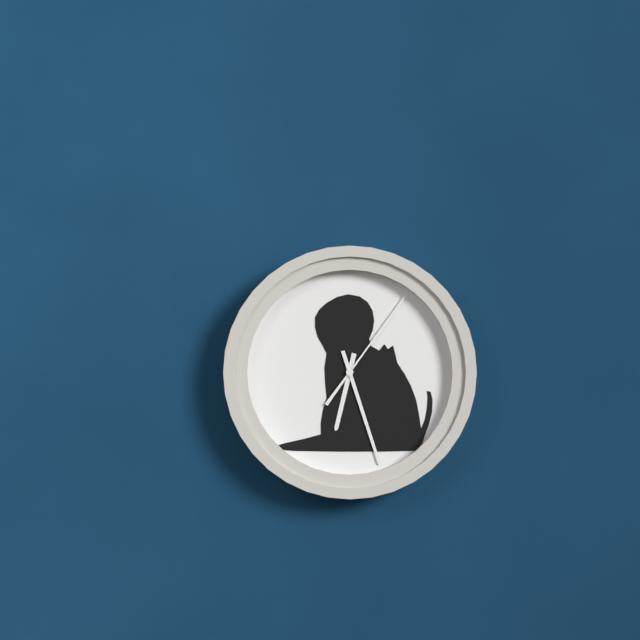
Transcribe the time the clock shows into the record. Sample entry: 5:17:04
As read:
6:27:06
